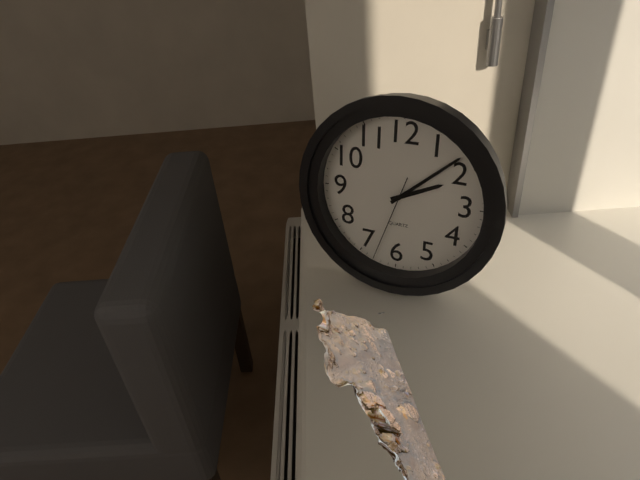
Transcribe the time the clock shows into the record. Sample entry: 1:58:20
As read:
2:08:33
